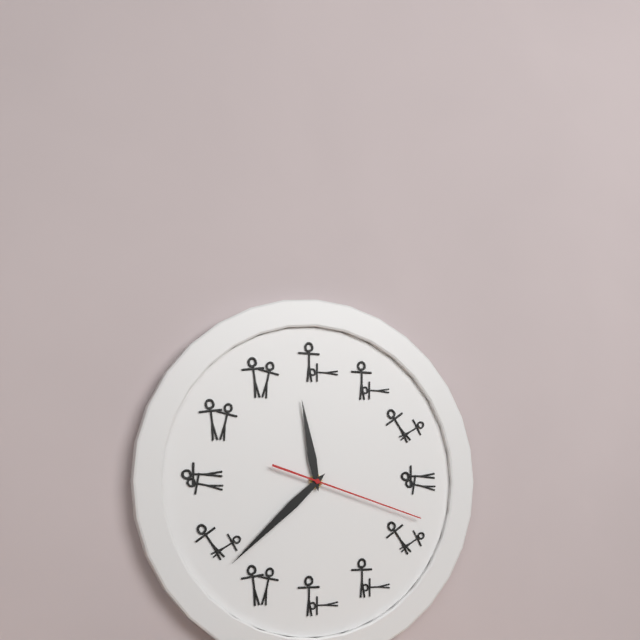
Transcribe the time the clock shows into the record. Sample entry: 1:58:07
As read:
11:38:18
